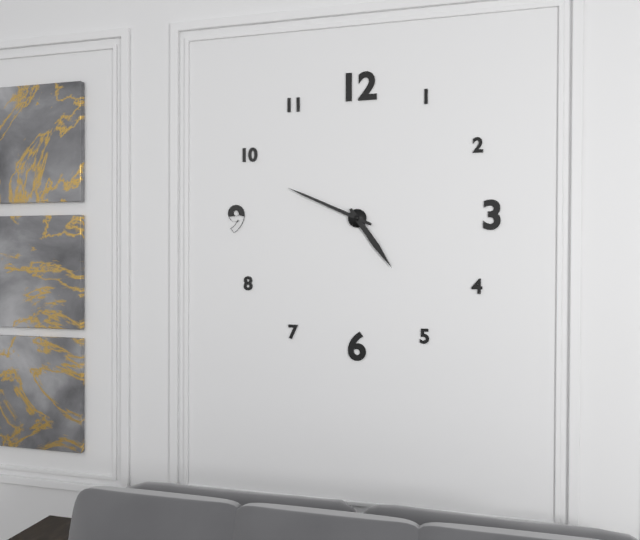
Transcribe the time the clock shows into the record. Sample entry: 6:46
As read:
4:49
